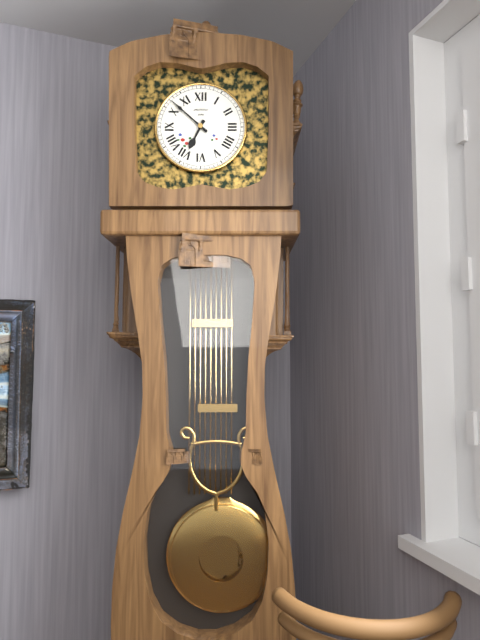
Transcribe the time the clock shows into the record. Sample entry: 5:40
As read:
6:52
